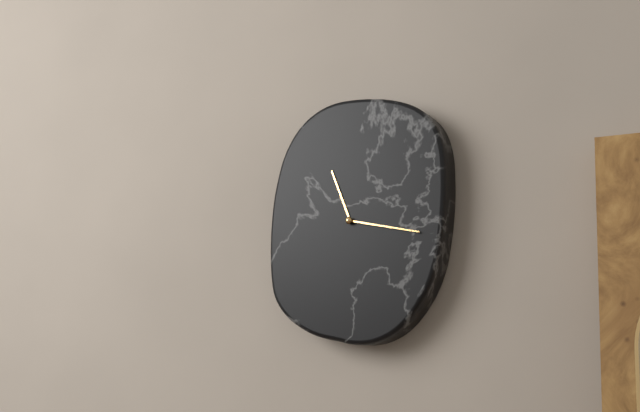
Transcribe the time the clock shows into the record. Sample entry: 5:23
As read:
11:17
